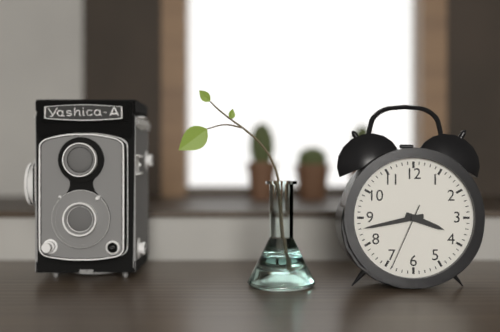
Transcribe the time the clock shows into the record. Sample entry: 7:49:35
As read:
3:43:34
